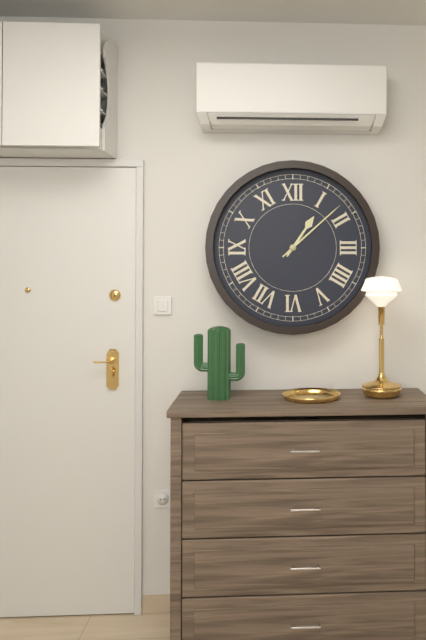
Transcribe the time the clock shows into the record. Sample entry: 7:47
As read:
1:08
